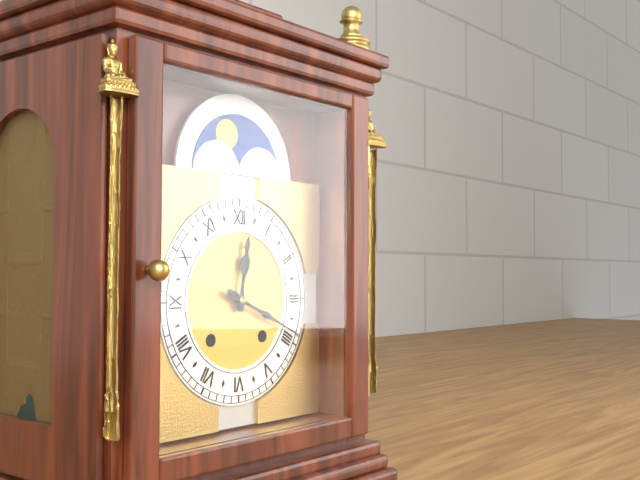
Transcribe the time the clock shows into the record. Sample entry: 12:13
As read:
12:19
